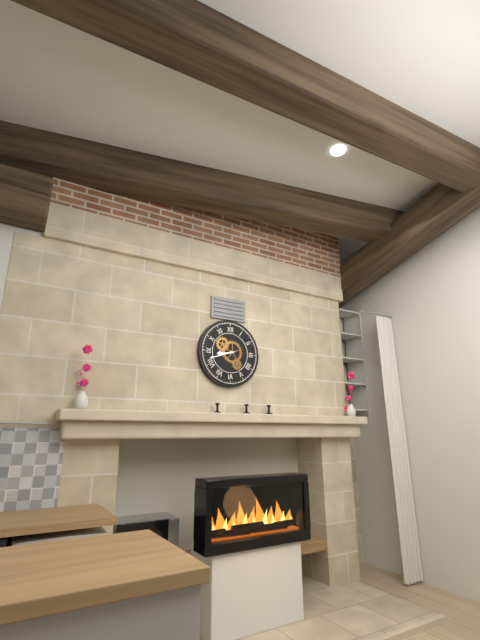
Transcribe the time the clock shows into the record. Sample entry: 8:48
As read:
8:42
